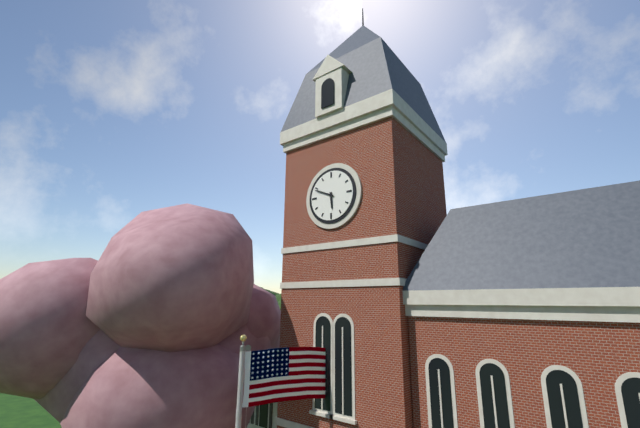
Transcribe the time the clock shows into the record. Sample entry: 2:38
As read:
5:49
